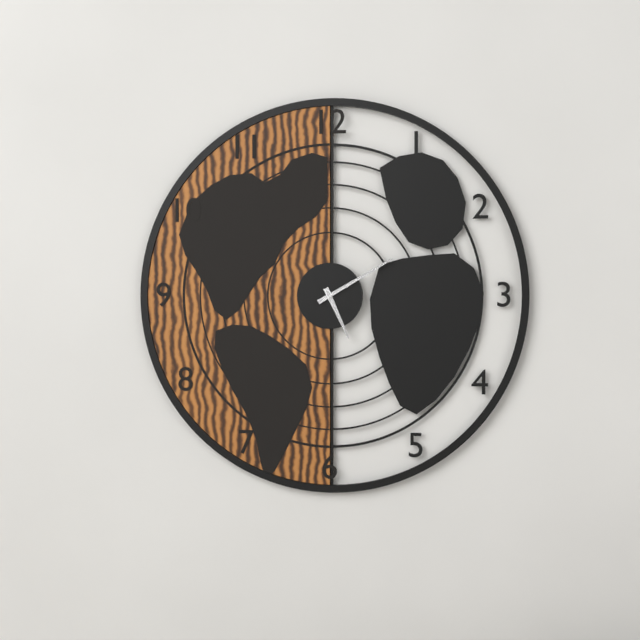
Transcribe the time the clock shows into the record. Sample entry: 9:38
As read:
5:10
